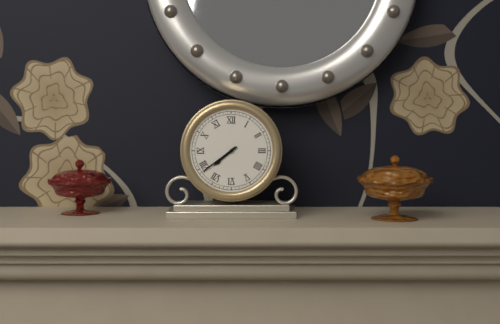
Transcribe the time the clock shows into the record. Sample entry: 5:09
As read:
7:39
